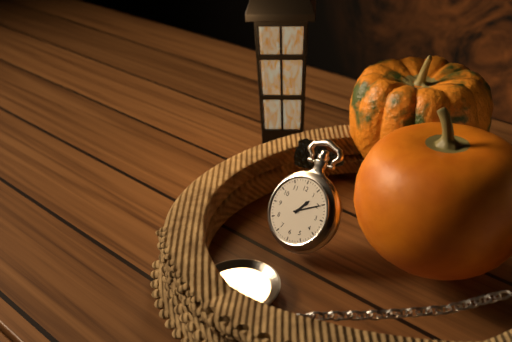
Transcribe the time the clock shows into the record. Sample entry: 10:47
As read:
1:10
